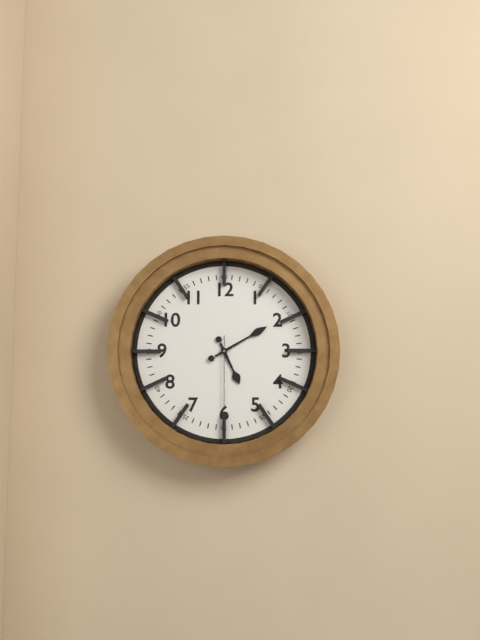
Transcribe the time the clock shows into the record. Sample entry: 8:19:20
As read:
5:10:30
